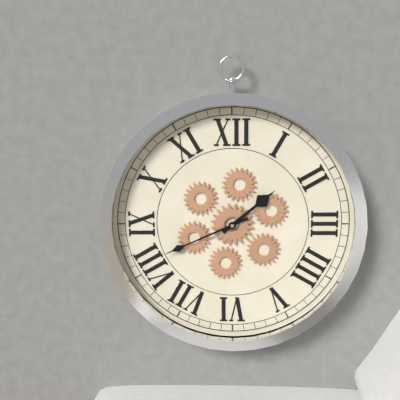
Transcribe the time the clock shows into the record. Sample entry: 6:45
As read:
1:41
